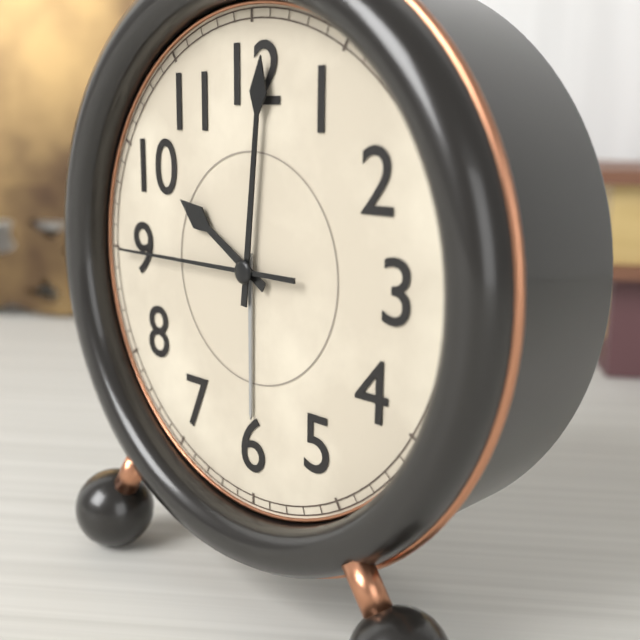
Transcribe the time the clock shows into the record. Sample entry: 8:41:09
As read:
10:01:45
